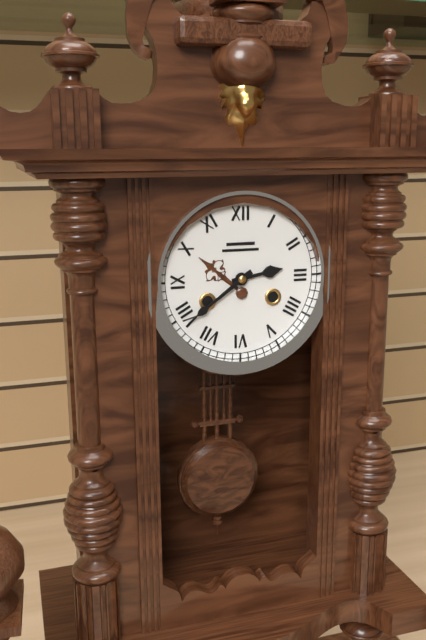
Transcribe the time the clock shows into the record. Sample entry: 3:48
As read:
2:39
